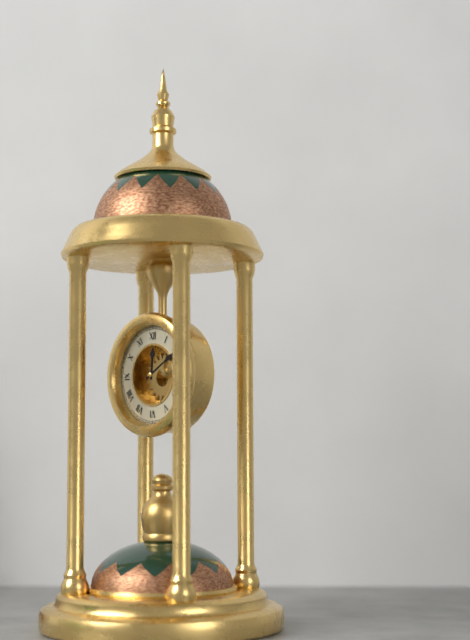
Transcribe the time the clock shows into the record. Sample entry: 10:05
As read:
12:10
